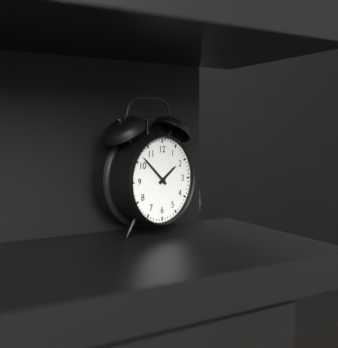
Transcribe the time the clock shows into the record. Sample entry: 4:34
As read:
1:52
